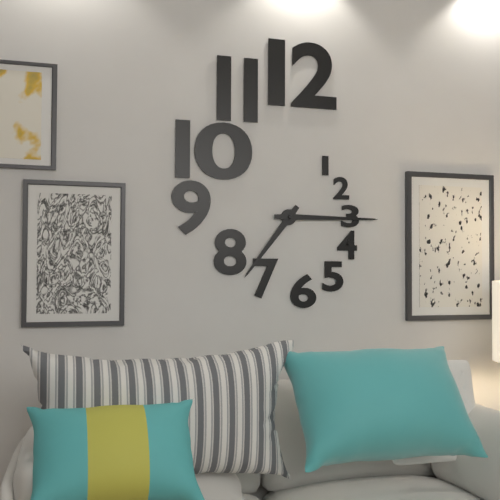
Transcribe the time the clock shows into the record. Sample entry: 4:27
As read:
7:15
